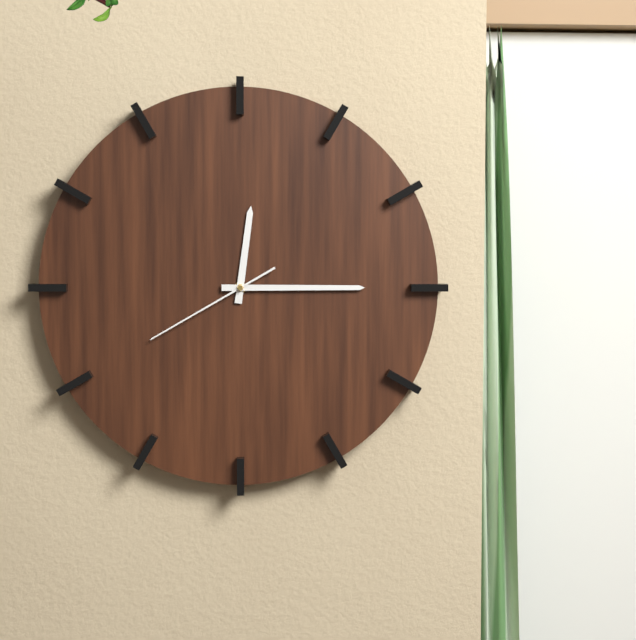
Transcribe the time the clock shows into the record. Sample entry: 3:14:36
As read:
12:15:40
